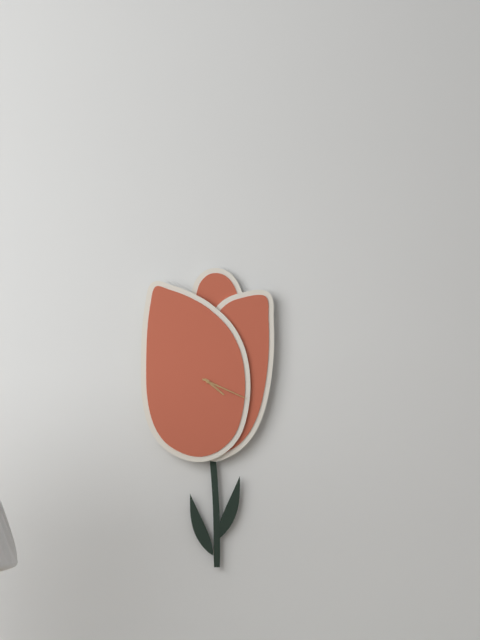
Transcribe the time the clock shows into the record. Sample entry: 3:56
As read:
4:19
